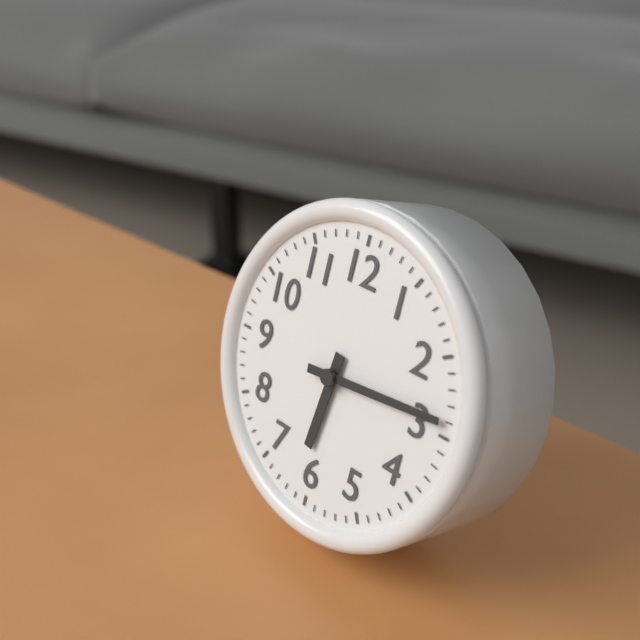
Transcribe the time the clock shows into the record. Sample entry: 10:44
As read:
6:14
